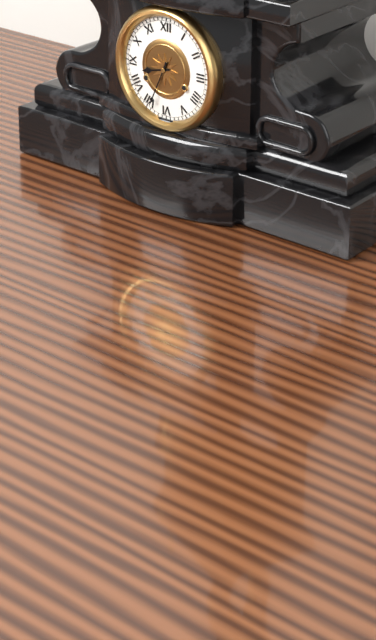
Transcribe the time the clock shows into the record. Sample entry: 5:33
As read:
8:34
